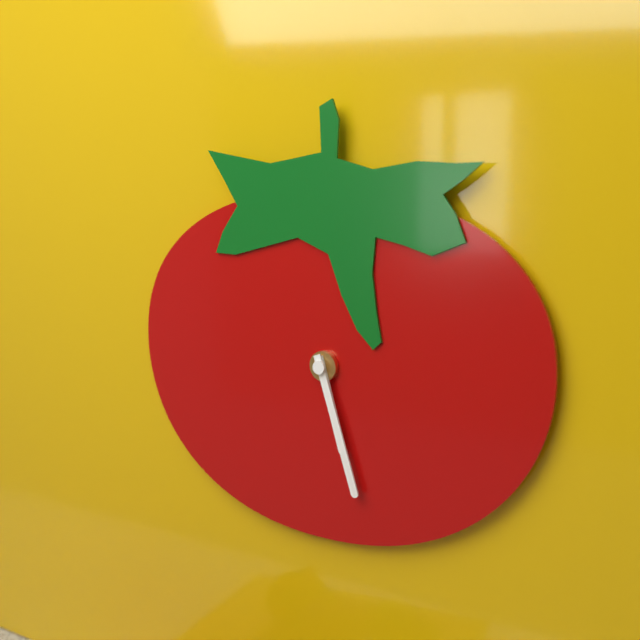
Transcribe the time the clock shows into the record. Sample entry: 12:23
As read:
5:27
